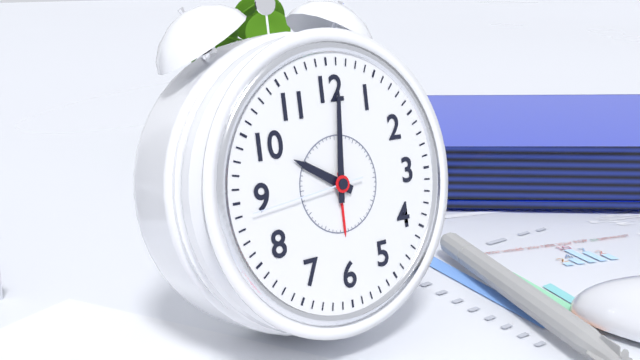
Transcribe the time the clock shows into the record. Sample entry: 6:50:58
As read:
10:01:44
